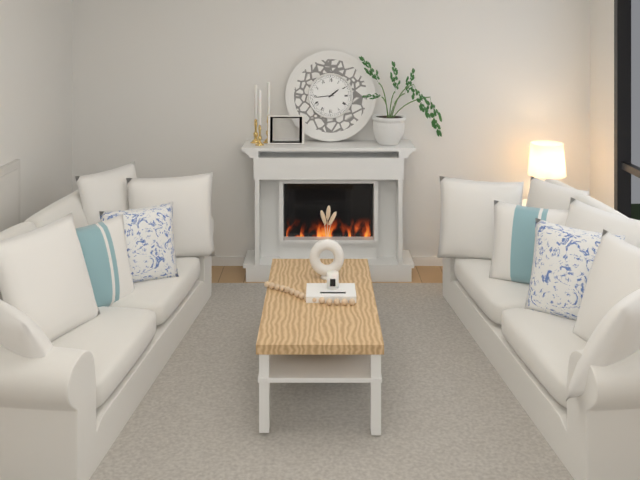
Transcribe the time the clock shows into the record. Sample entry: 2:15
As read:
1:44
